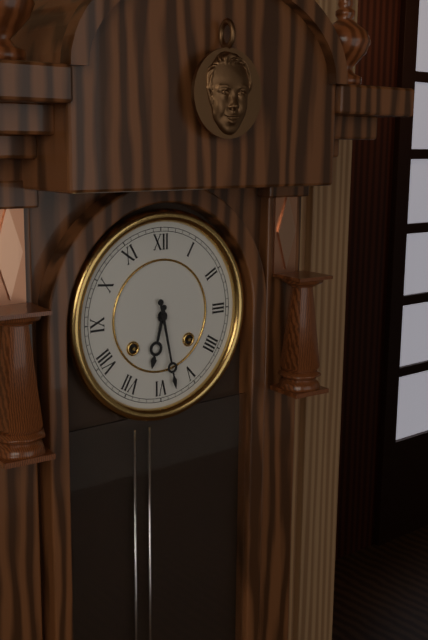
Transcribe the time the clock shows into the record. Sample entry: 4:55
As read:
6:28
